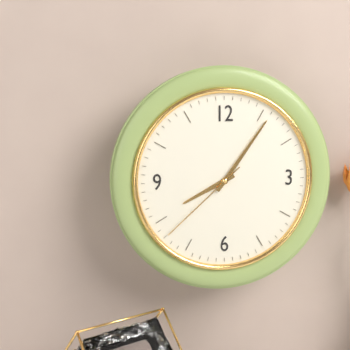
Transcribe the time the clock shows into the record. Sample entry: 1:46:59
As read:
8:06:38
